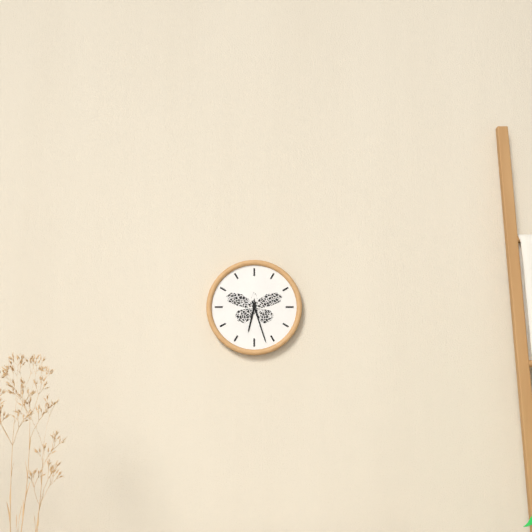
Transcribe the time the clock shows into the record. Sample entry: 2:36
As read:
6:27
